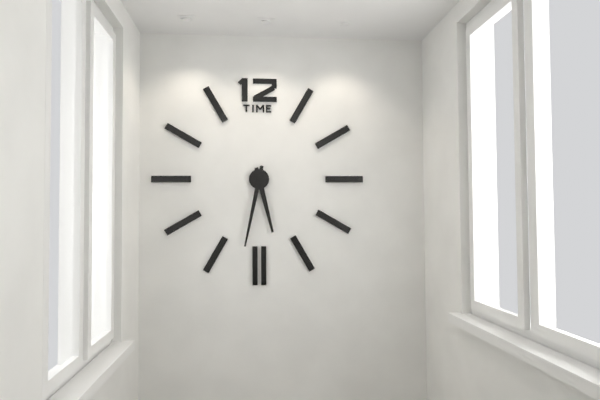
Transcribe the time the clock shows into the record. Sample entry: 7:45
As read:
5:32
